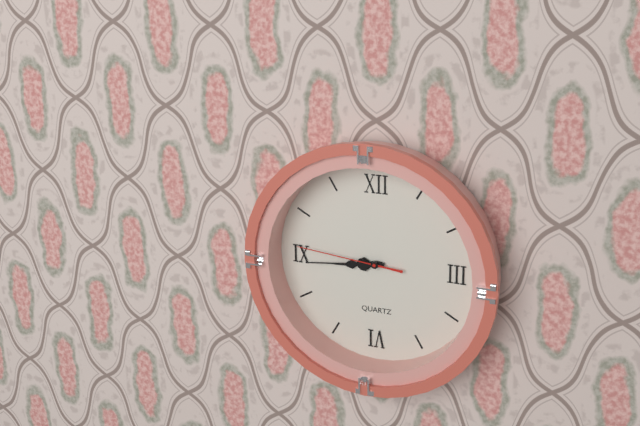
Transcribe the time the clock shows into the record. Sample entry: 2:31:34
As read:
8:44:46
